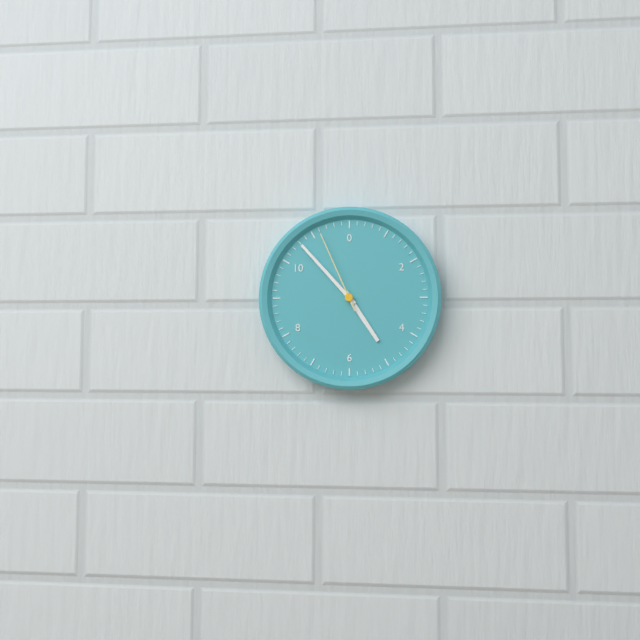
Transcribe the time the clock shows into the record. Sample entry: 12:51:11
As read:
4:53:56
